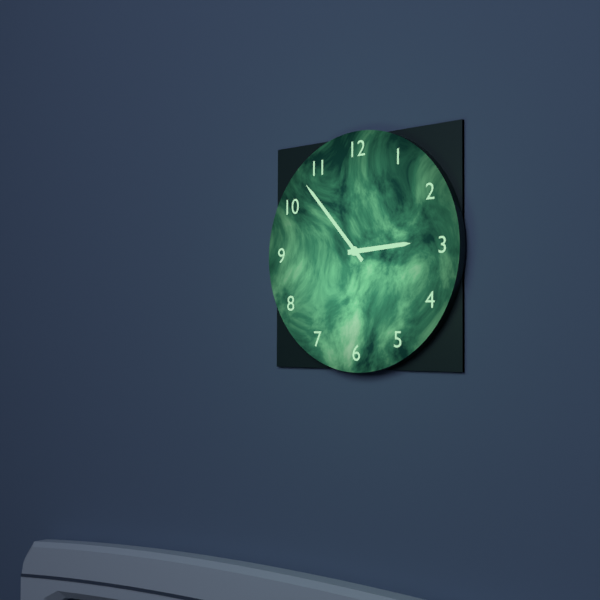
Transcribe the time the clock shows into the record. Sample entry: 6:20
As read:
2:53
